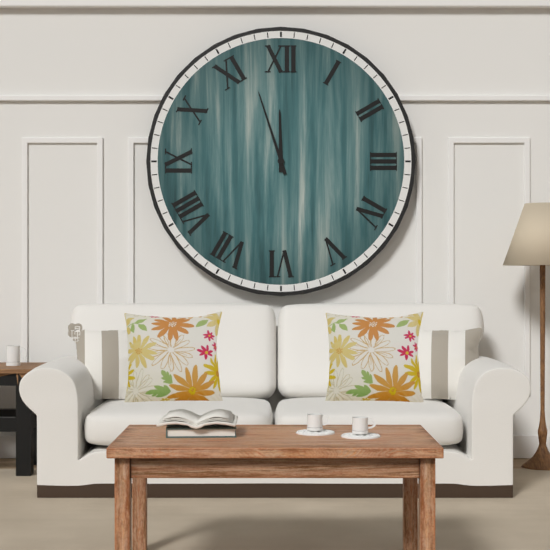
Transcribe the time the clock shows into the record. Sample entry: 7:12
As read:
11:57
